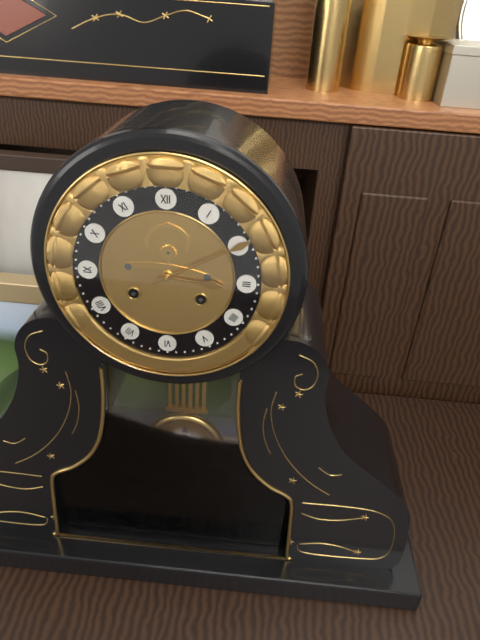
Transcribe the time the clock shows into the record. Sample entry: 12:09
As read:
3:10
